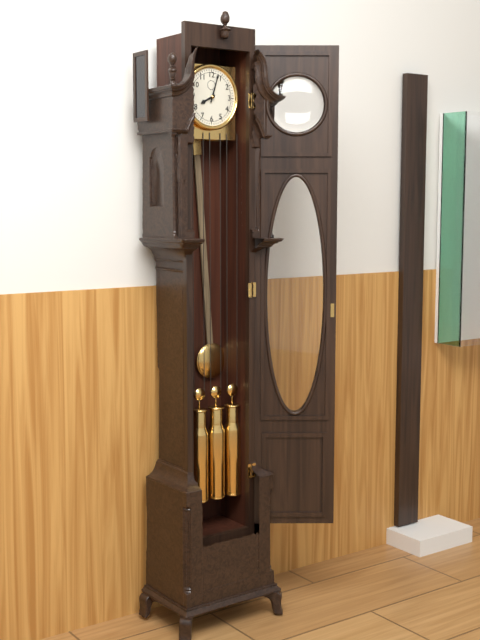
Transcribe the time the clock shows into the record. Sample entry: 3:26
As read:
8:03
